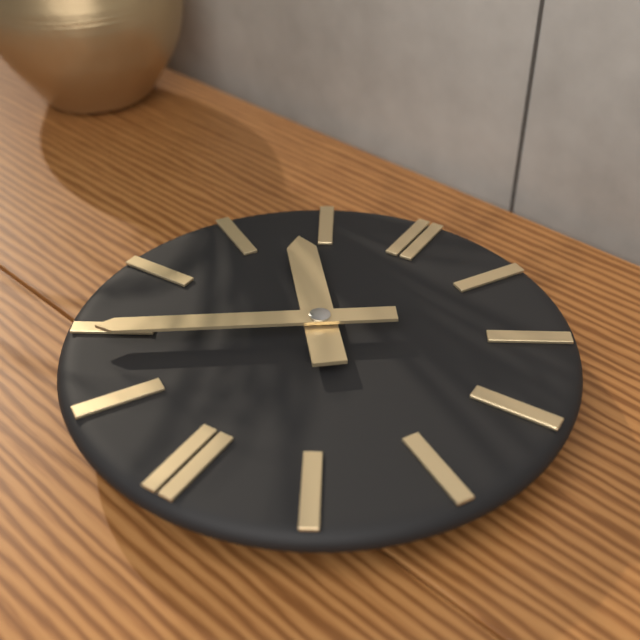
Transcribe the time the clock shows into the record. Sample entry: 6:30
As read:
10:39
